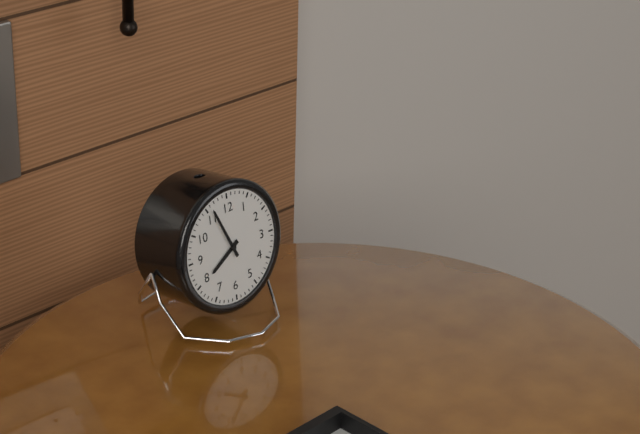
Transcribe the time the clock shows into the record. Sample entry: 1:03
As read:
7:56
